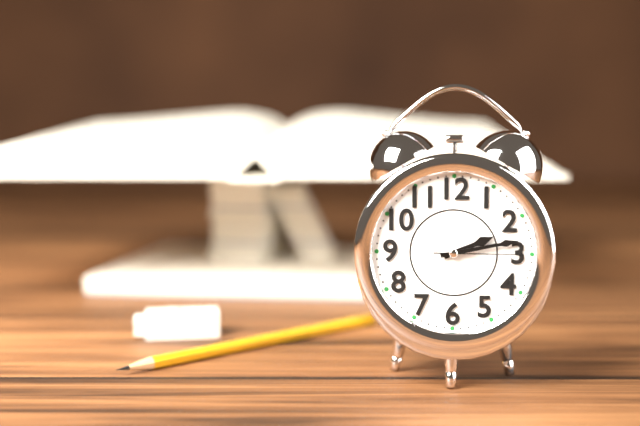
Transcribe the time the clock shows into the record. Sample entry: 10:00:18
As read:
2:13:15
